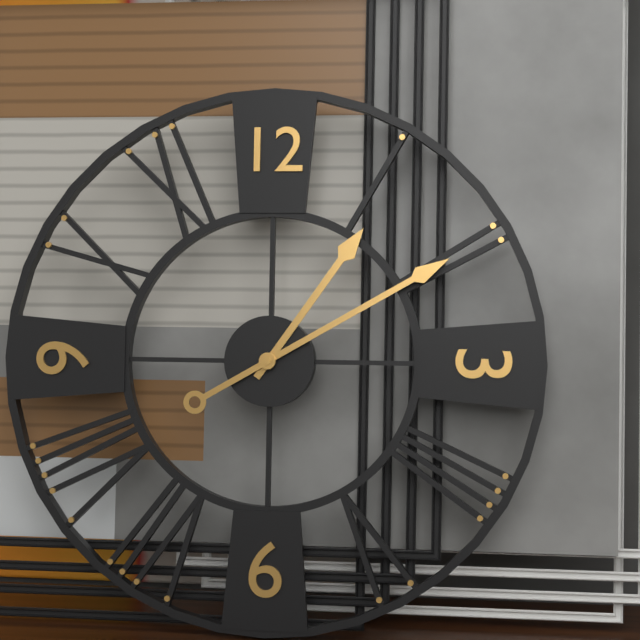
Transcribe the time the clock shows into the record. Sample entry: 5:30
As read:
1:10
